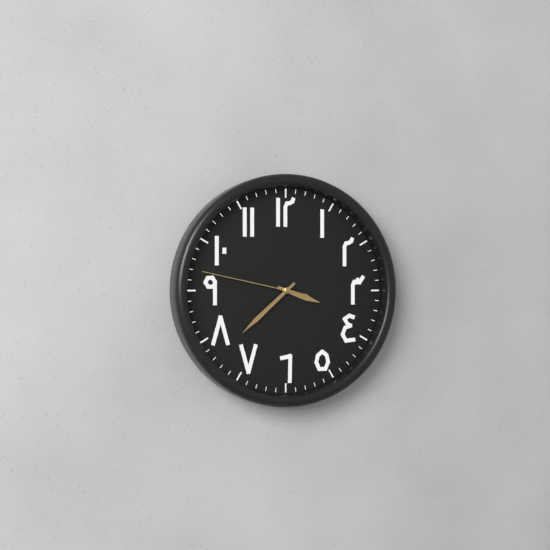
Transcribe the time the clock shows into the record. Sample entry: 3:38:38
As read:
3:38:47
